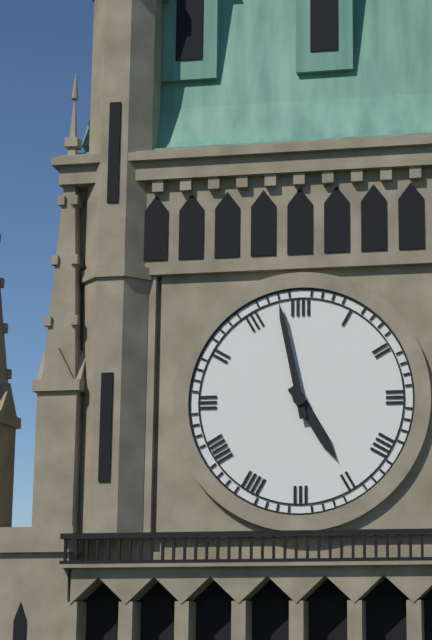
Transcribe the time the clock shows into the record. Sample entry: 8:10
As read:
4:58
